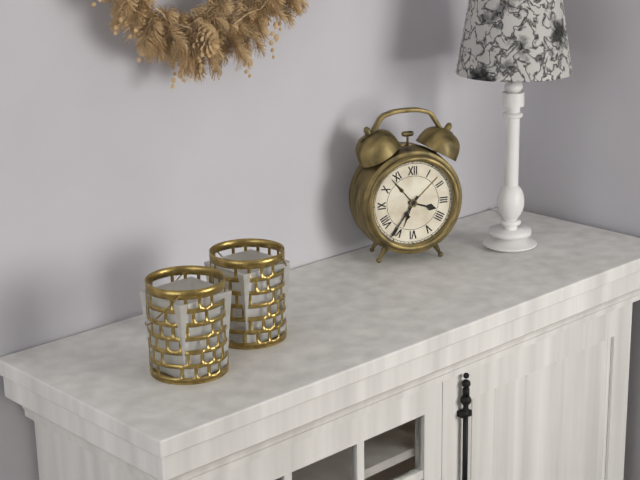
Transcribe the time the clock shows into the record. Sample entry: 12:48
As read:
3:36
